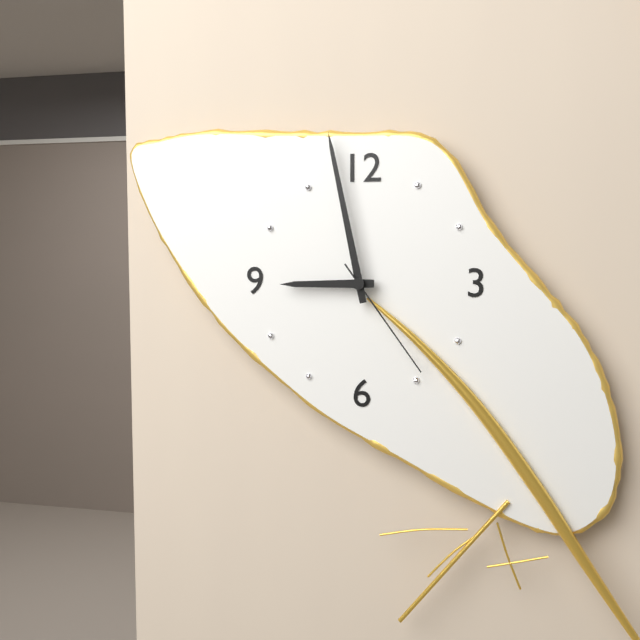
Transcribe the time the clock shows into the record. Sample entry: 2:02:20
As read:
8:58:24
